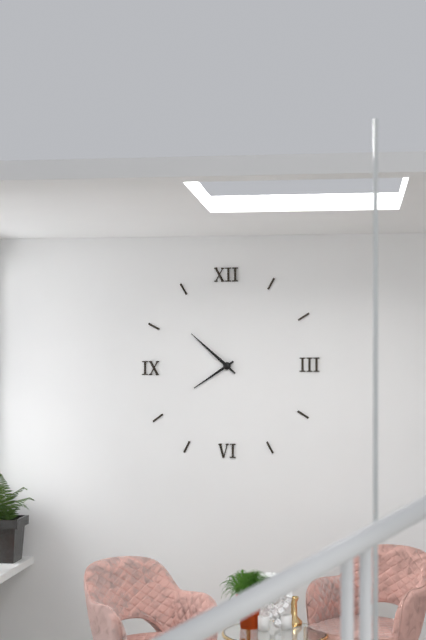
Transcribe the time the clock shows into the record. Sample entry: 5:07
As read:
7:52
